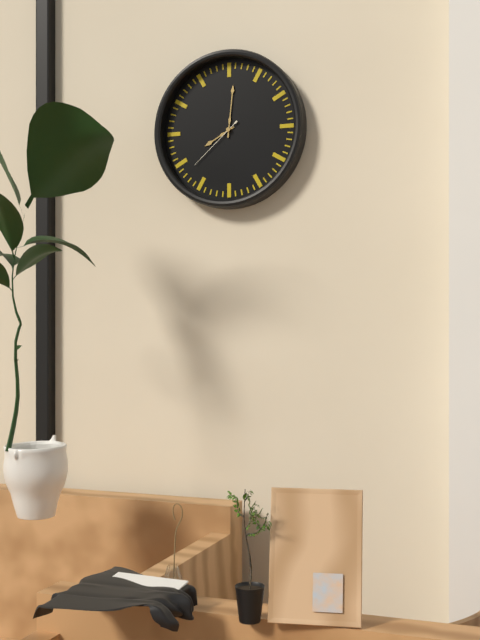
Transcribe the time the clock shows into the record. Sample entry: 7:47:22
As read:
8:01:38
